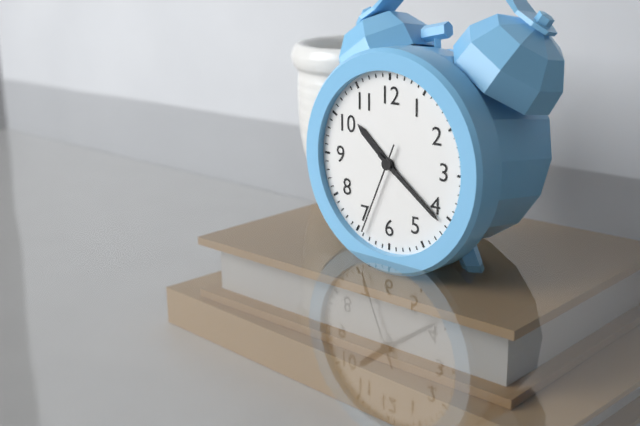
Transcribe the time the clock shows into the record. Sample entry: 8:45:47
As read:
10:21:34
